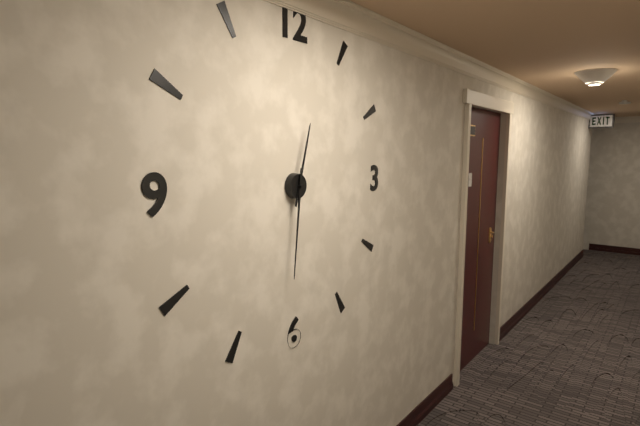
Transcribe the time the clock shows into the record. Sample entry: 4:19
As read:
12:31
